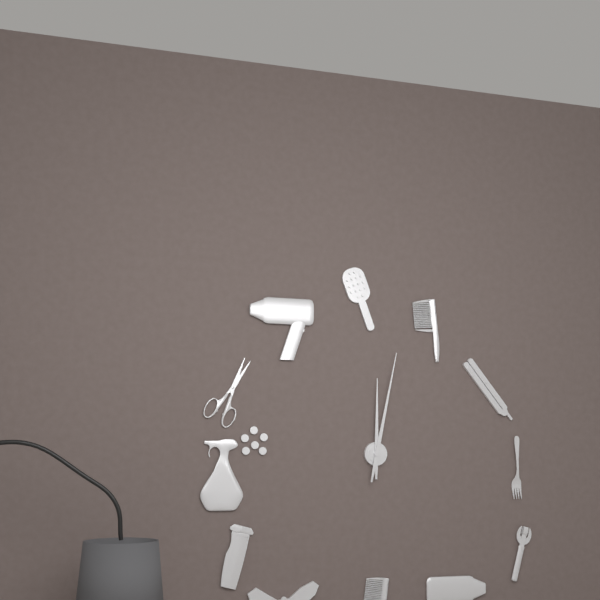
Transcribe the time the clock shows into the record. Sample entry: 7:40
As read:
12:02
